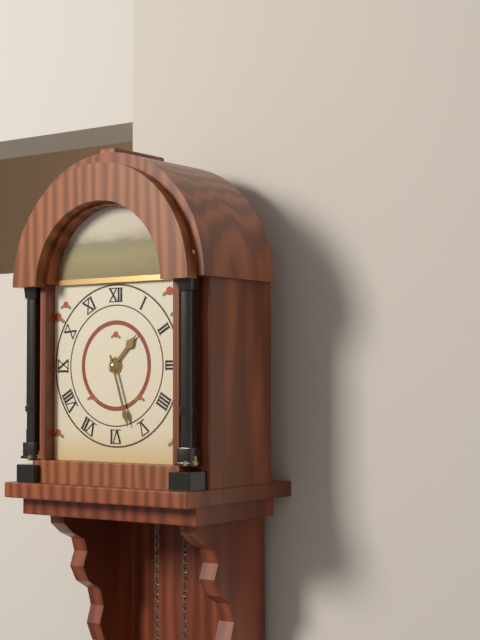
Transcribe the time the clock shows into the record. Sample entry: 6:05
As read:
1:27
